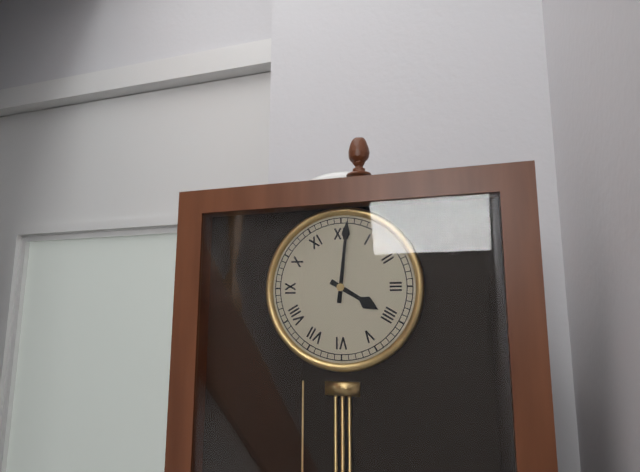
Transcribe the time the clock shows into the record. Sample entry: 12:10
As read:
4:01
